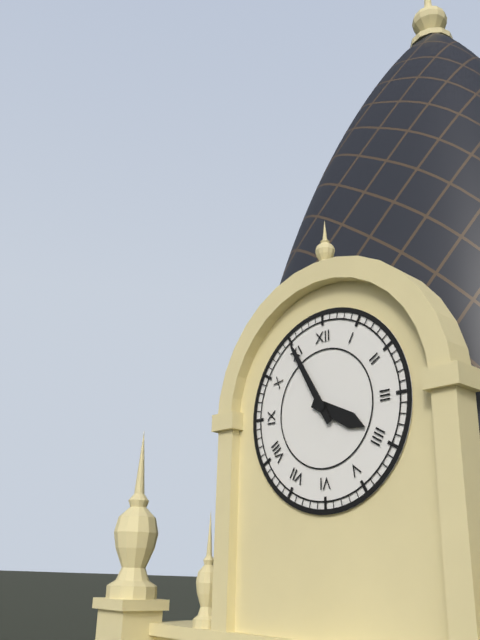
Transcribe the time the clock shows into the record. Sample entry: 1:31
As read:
3:55
